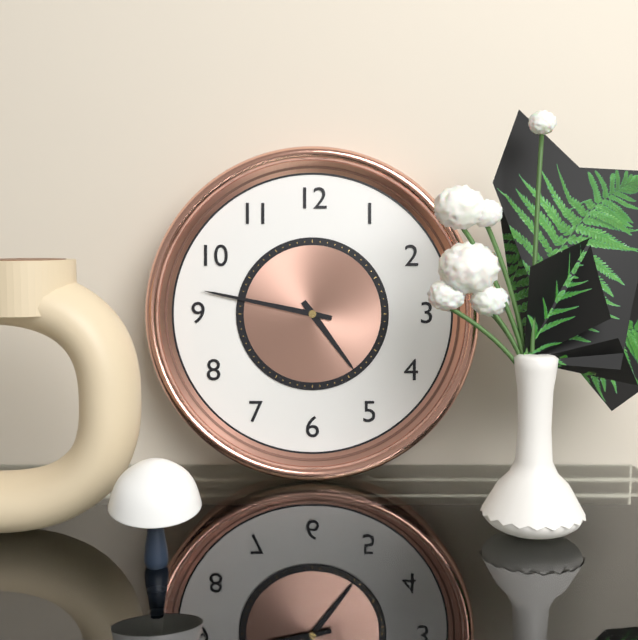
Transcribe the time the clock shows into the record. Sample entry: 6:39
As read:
4:47
